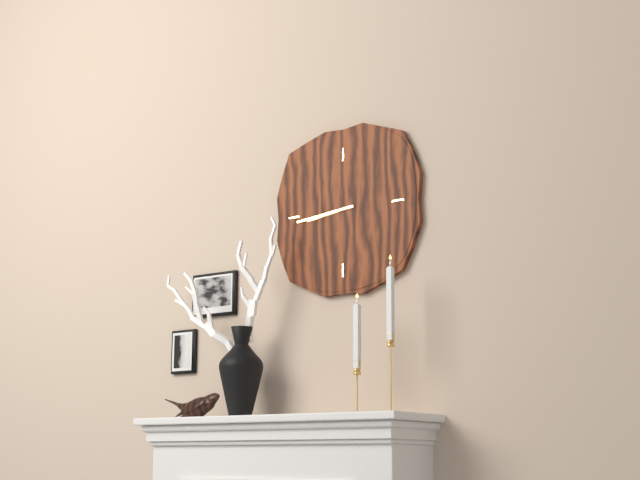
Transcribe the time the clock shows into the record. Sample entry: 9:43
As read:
8:44
